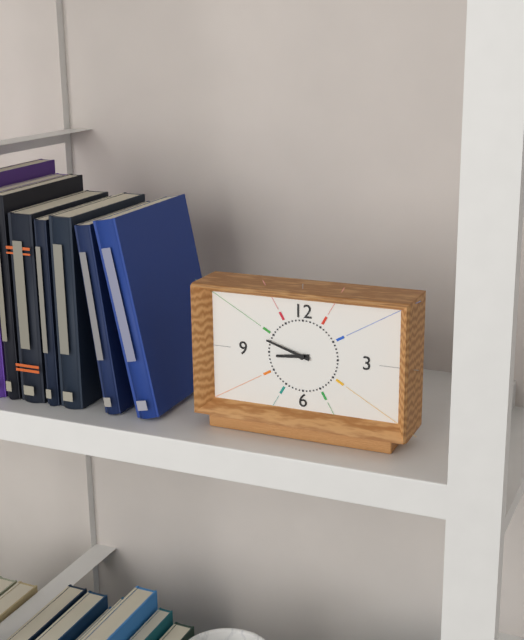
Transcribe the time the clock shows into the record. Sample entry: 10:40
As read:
8:48
